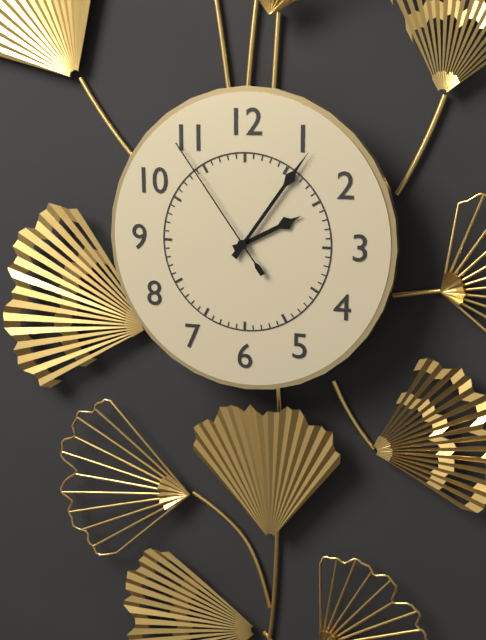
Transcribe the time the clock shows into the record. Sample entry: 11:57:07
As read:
2:06:54
